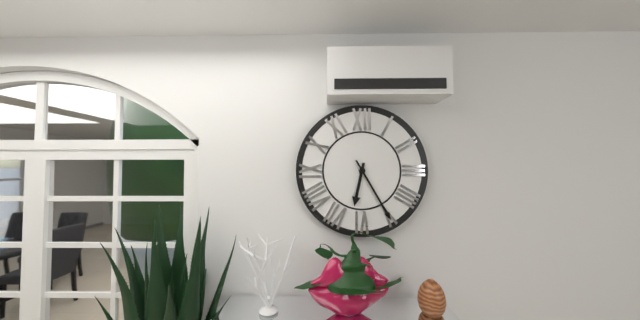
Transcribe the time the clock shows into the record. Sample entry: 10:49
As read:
6:25
